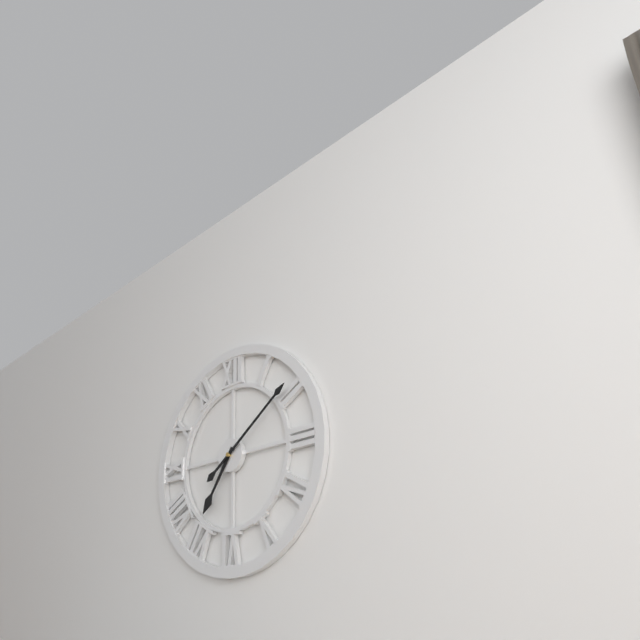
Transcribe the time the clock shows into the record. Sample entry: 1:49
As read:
7:09
